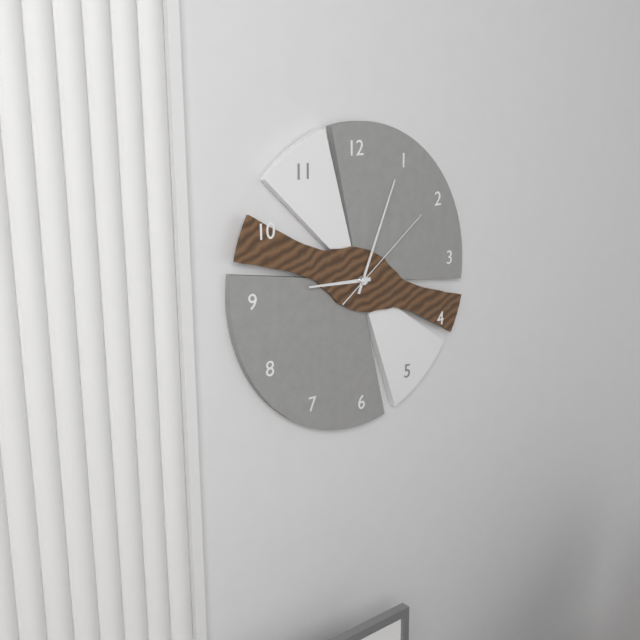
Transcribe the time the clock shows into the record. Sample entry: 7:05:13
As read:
9:04:09
